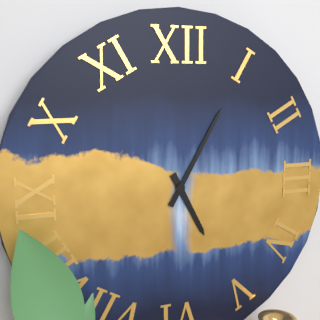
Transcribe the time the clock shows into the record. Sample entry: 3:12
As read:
5:05
